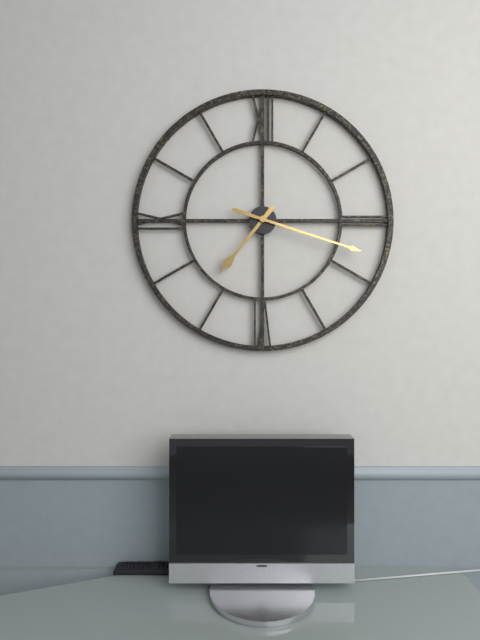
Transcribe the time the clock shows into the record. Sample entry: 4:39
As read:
7:18
